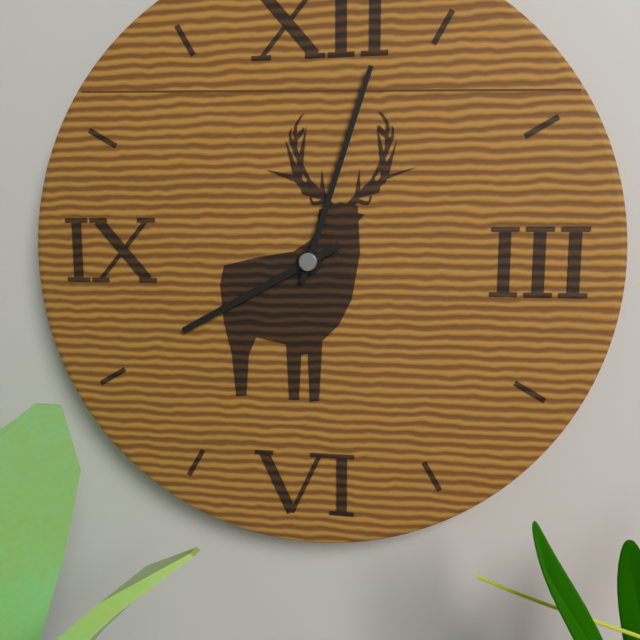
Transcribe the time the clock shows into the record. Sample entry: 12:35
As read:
8:03
